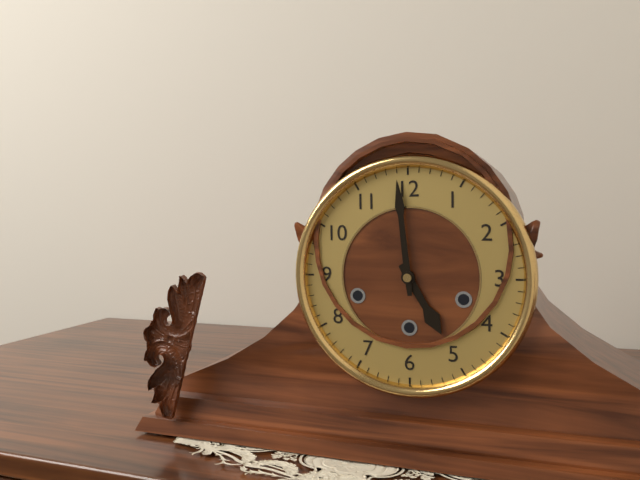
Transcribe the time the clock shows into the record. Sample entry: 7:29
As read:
4:59
